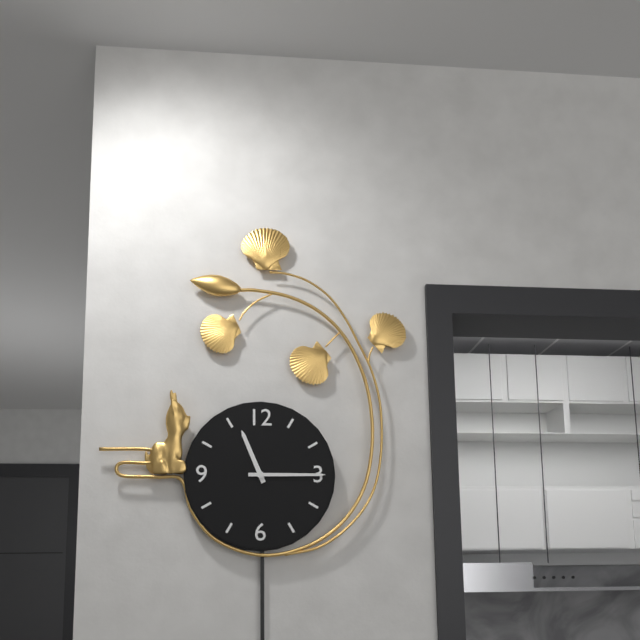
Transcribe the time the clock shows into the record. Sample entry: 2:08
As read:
11:15
